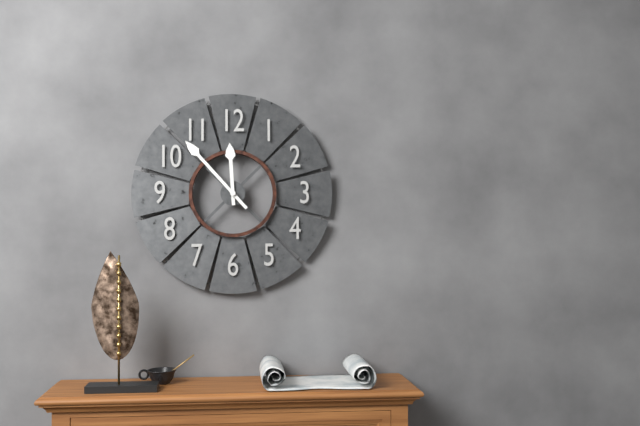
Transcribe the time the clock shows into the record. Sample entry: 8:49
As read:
11:53
